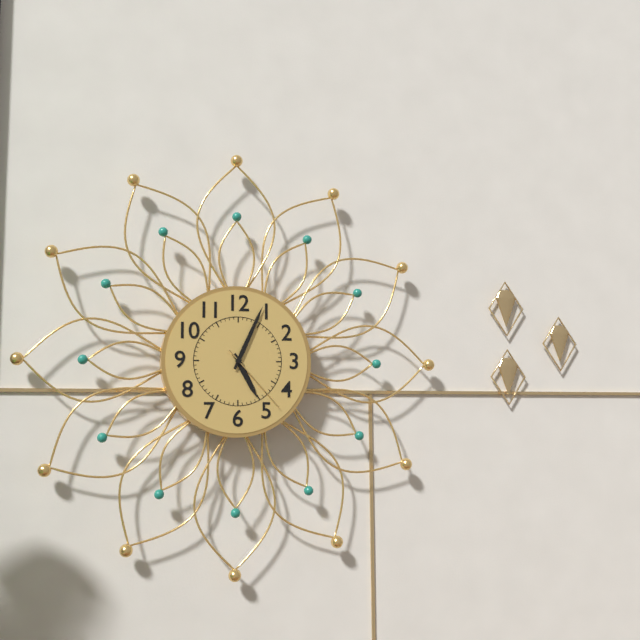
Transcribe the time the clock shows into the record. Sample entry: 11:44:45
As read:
5:04:23
